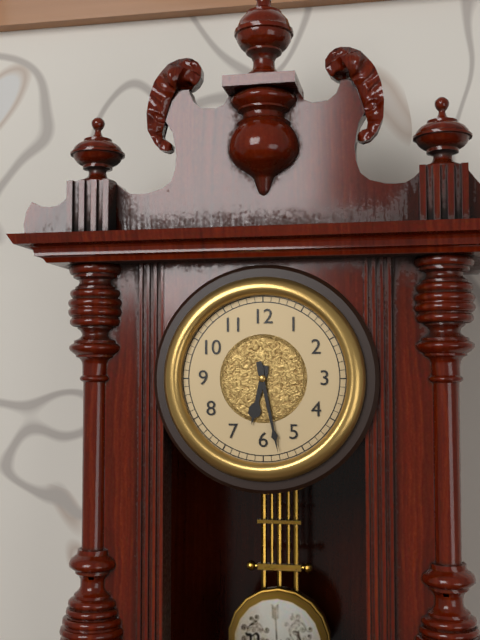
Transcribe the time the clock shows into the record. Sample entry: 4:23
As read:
6:28
